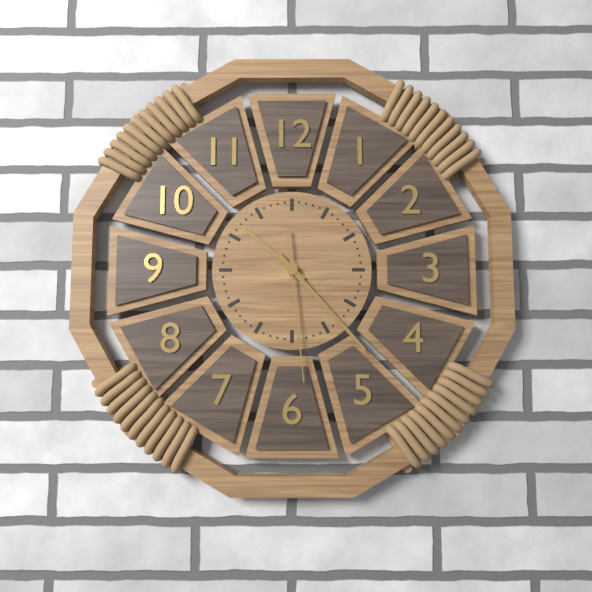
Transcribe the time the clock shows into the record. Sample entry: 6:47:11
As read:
10:23:29
